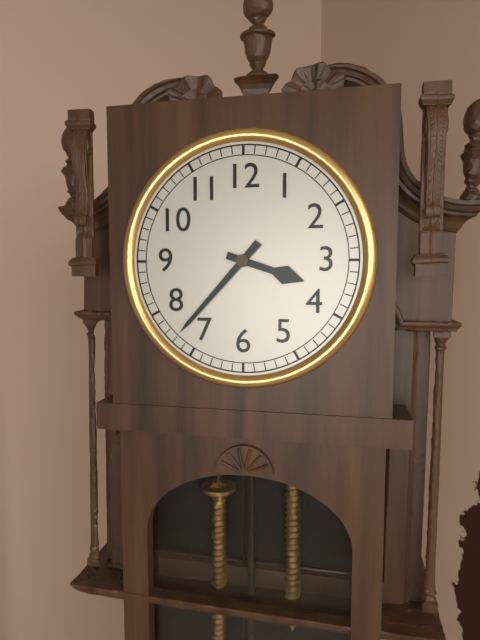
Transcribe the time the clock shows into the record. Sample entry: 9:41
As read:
3:37
